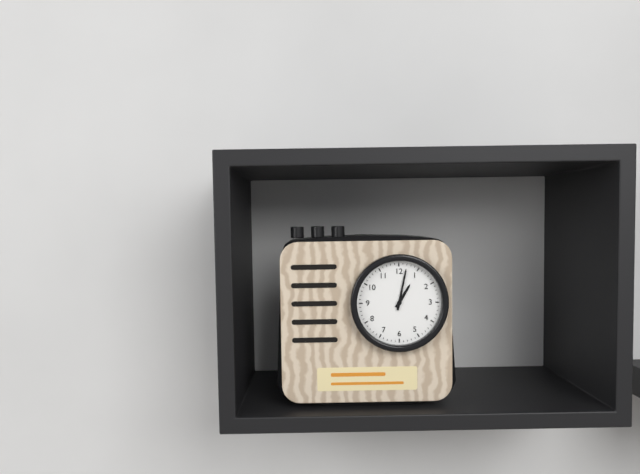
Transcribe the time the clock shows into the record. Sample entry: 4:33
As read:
1:02
